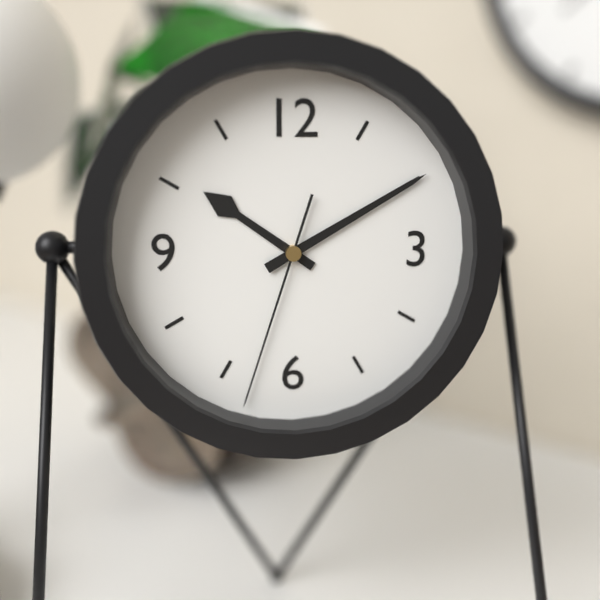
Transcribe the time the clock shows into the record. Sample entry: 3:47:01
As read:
10:10:33
